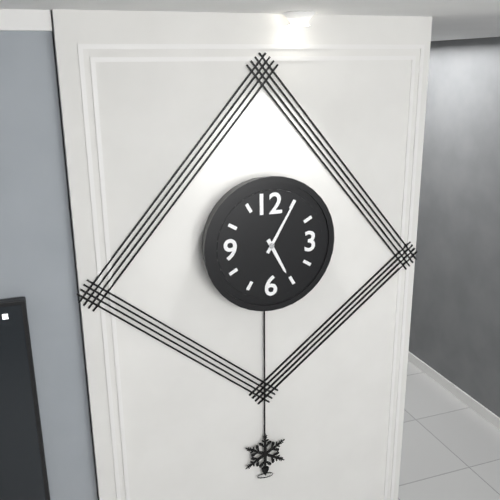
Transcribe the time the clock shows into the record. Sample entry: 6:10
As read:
5:05
